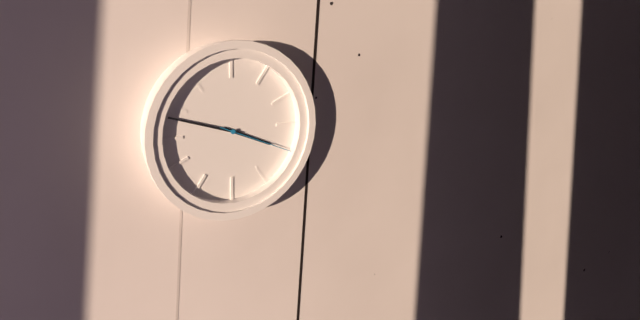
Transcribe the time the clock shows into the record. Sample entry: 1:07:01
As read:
3:48:19
